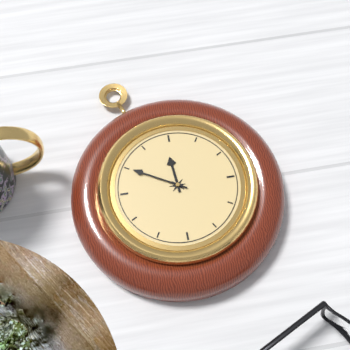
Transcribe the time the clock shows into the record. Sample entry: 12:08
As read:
11:50
